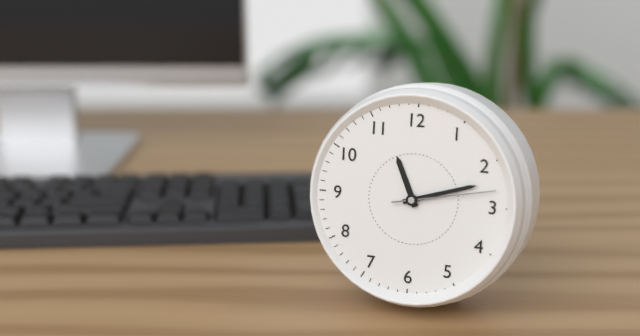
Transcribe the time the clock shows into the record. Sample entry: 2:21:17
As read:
11:12:13
